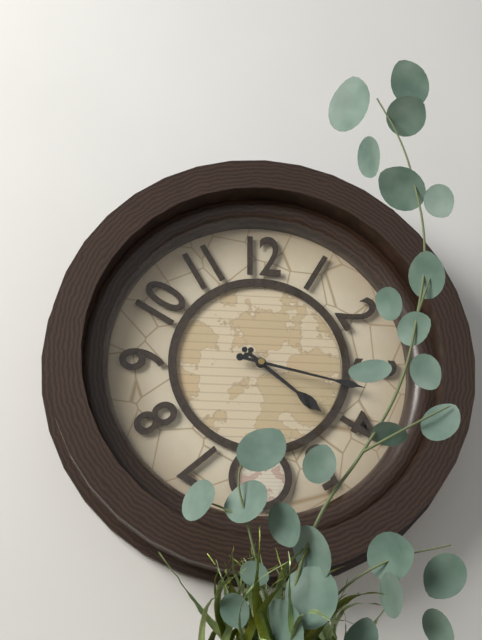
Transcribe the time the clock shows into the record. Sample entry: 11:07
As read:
4:17
